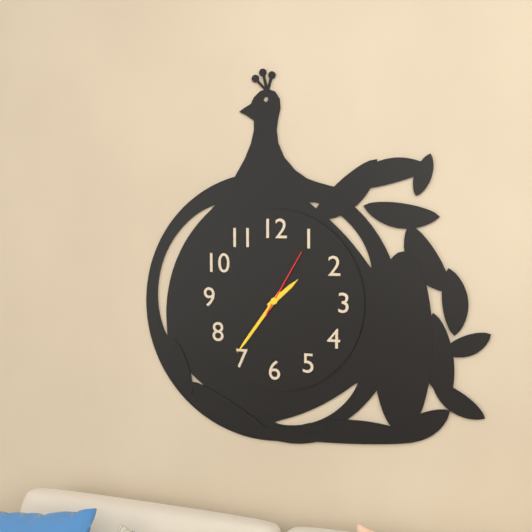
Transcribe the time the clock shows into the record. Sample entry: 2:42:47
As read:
1:36:05
